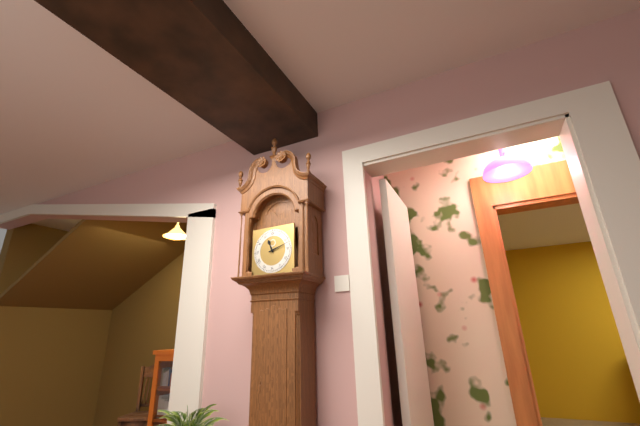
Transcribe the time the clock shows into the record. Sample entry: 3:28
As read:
11:12
